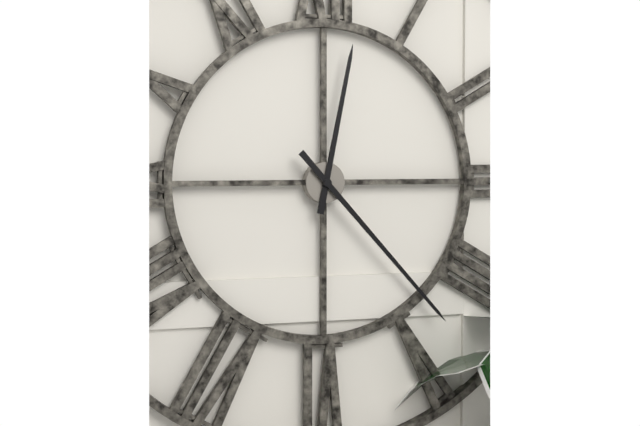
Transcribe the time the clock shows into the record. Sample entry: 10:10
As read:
12:23
